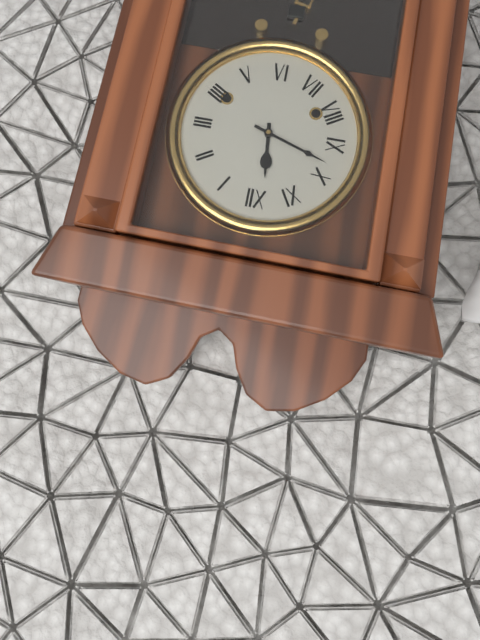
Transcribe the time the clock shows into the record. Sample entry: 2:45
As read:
11:48
